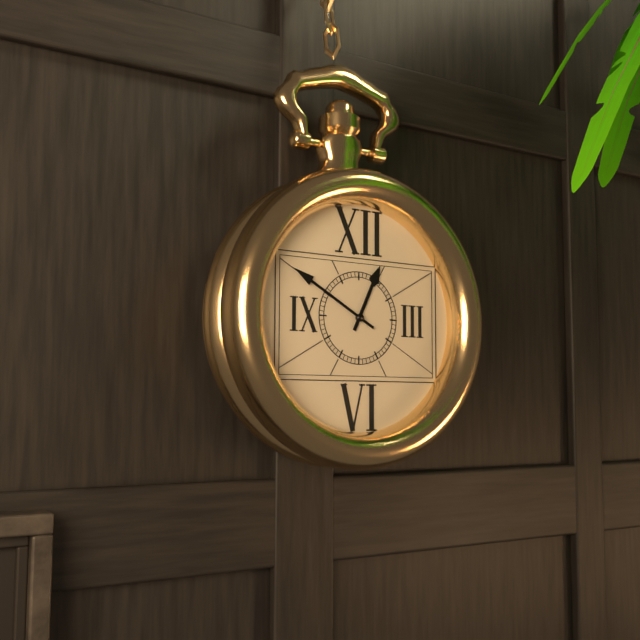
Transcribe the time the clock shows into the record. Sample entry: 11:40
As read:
12:50
